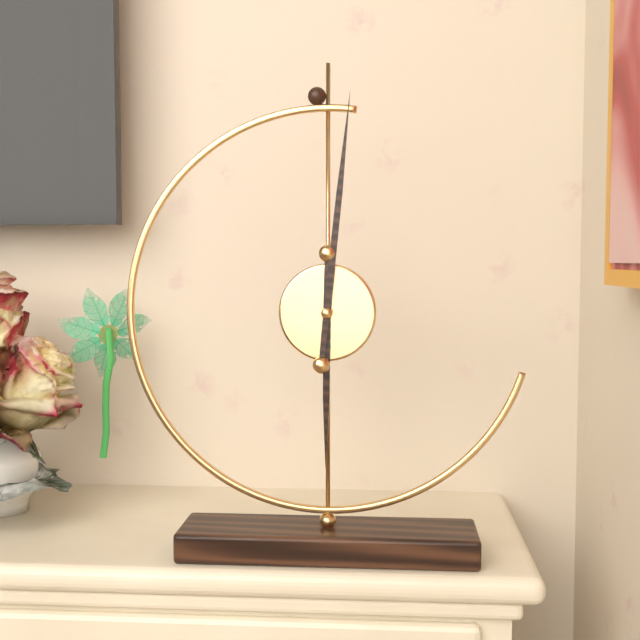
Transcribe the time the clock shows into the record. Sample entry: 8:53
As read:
6:01
